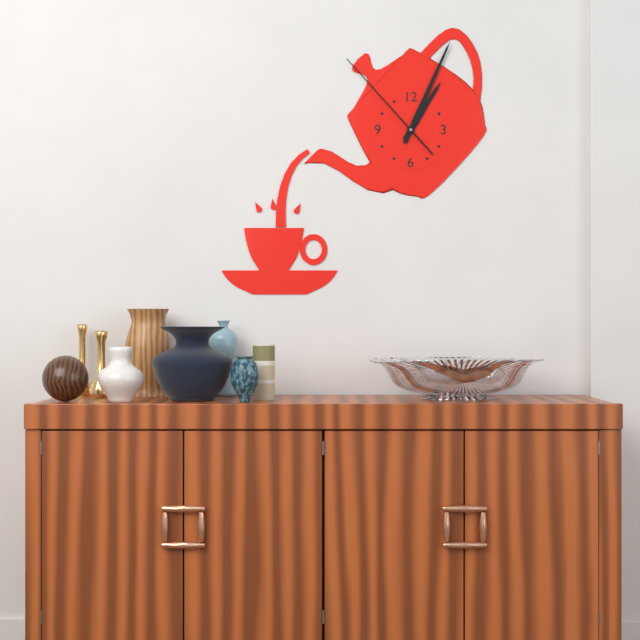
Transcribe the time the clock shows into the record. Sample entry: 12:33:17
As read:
1:04:53
